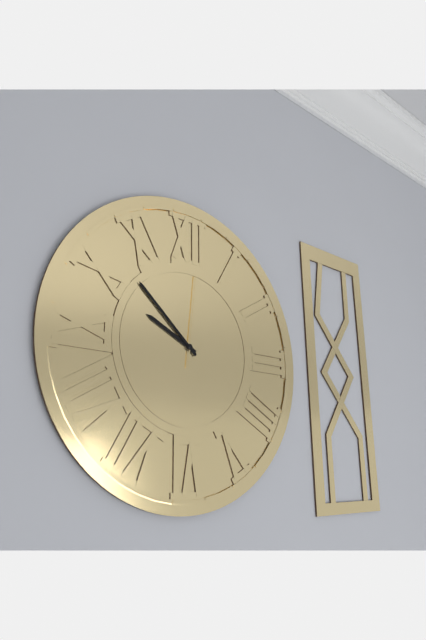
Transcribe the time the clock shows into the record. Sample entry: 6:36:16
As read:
9:52:01
